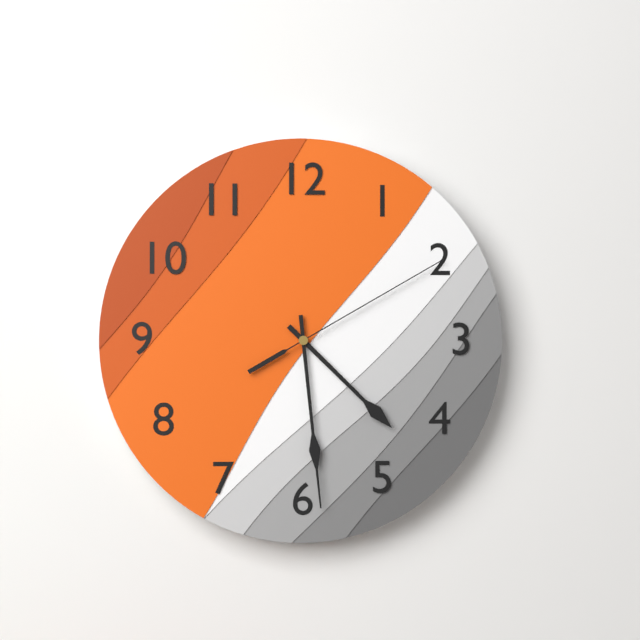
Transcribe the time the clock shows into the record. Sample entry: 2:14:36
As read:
4:29:10
